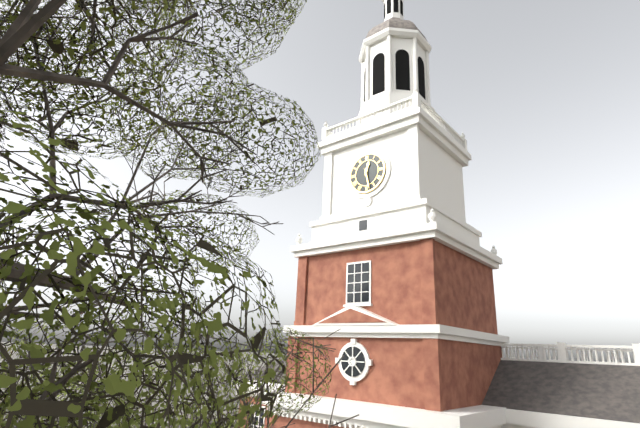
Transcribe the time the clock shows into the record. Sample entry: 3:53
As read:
12:28
